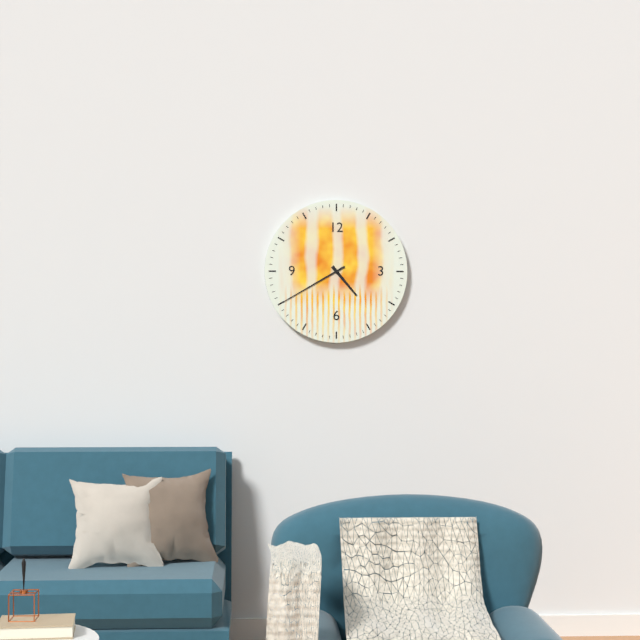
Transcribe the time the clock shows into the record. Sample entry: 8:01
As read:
4:40
